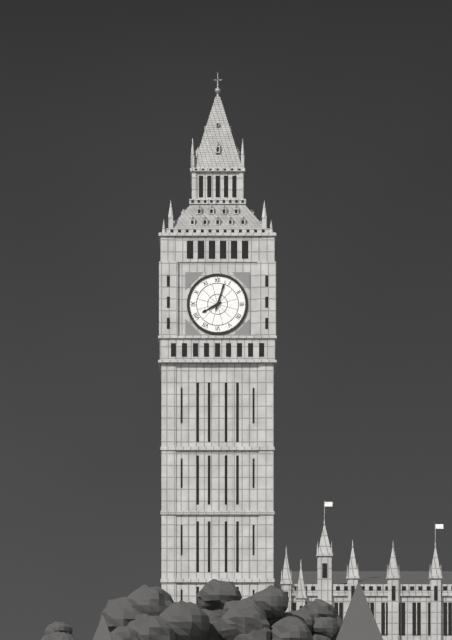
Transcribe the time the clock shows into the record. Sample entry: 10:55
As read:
8:03
